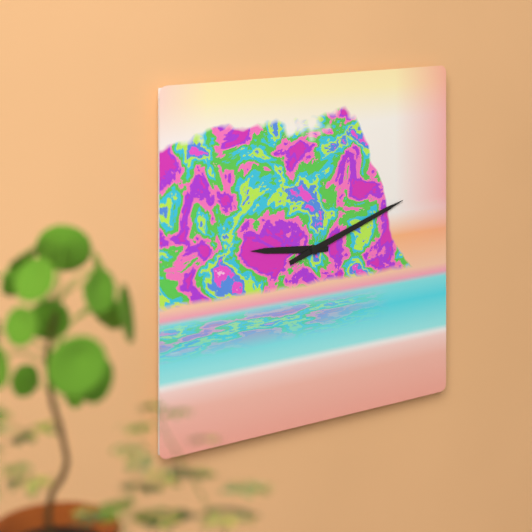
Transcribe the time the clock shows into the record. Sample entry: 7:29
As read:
9:12
